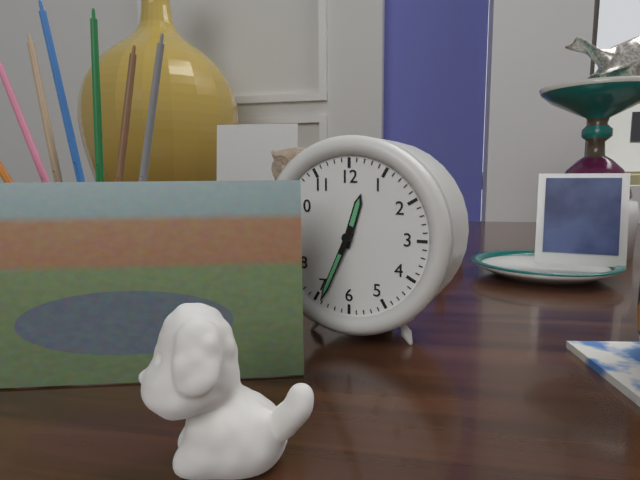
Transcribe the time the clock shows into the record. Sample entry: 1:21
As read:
12:34
